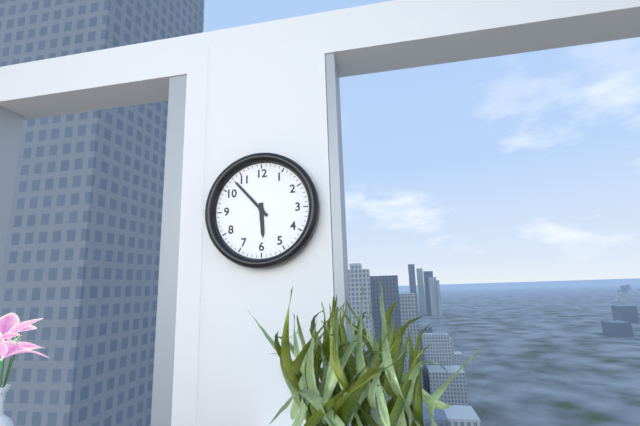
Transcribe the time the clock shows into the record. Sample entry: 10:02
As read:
5:53
